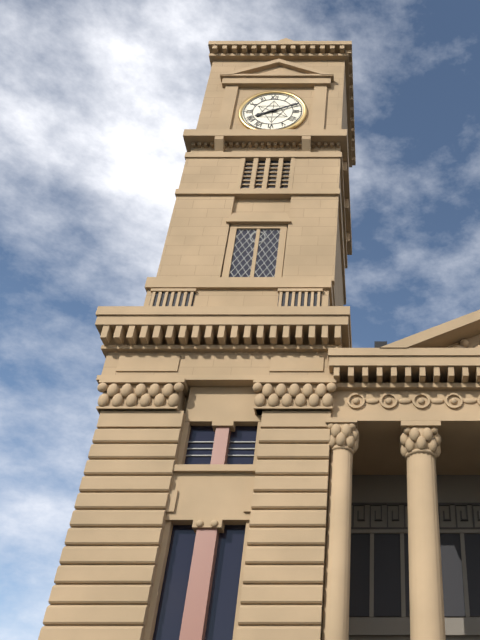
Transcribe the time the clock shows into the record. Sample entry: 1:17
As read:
8:11
